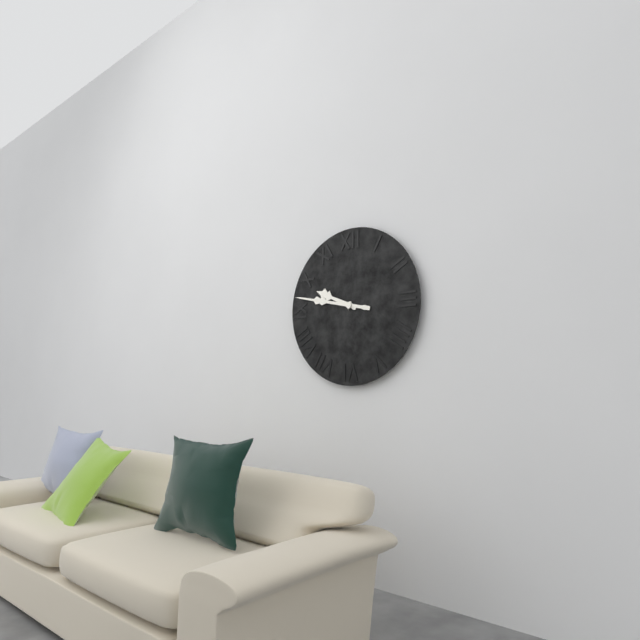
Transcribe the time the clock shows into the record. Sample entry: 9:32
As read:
9:47
